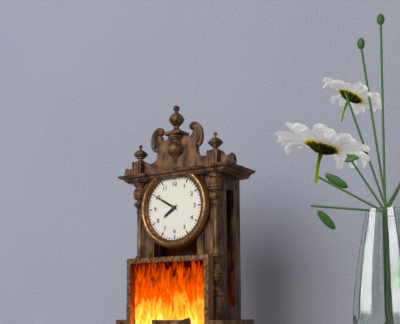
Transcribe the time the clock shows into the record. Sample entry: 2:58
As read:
7:50
